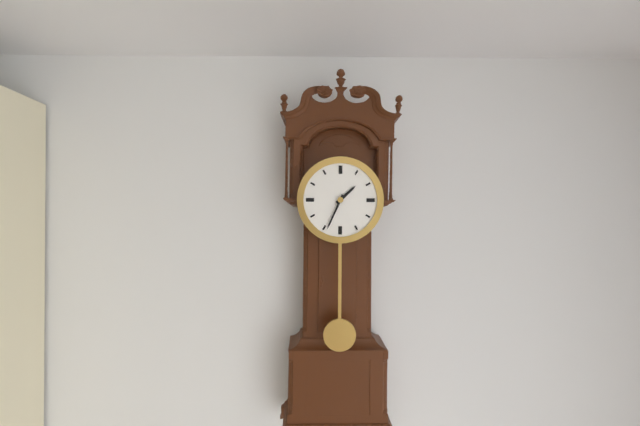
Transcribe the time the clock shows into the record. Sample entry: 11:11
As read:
1:34
